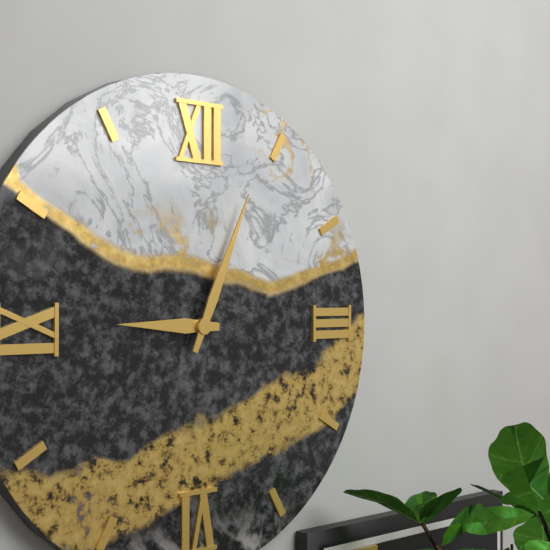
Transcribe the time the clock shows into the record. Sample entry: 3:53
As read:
9:04
